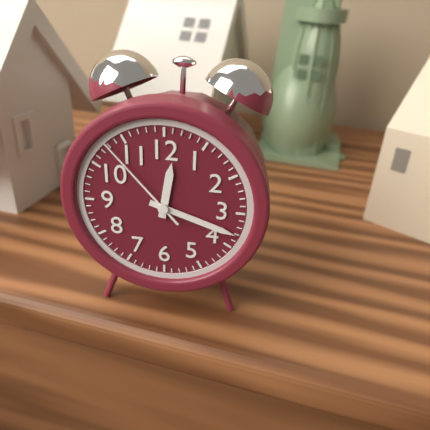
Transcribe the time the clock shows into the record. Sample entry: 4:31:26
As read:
12:18:53
